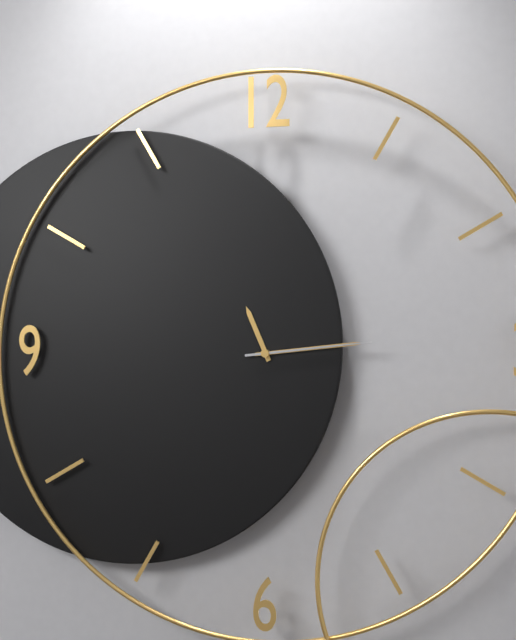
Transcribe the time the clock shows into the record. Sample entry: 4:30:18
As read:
11:14:14
